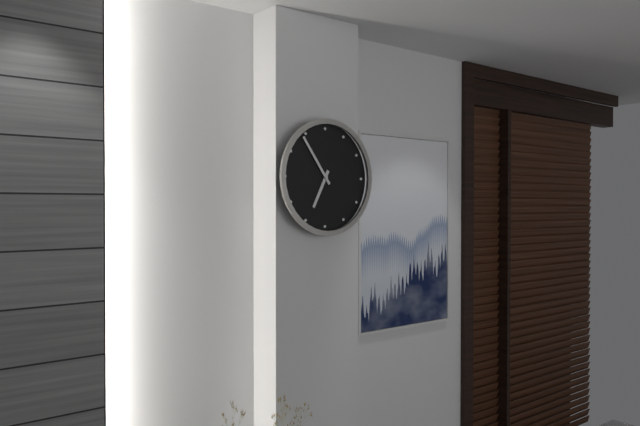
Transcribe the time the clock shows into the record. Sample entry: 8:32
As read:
6:54
